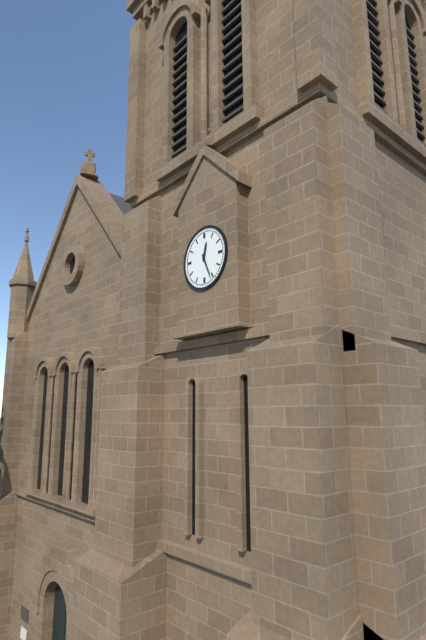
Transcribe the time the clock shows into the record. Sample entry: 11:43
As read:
12:26
